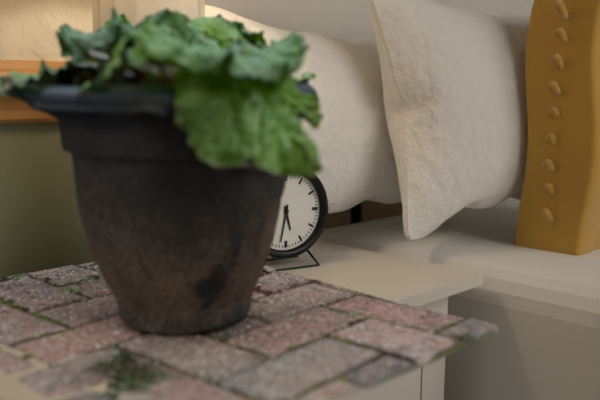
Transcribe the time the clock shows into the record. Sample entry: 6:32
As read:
5:32
